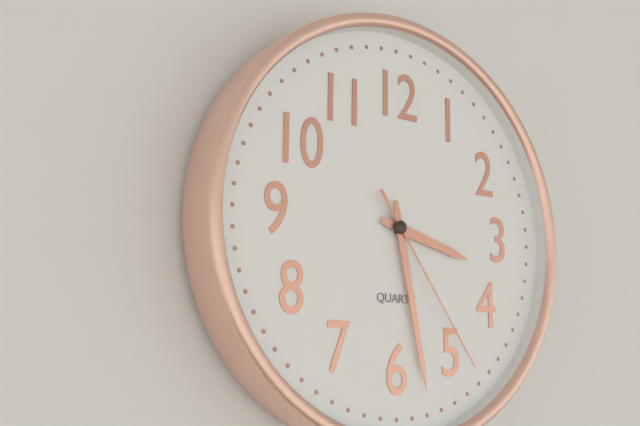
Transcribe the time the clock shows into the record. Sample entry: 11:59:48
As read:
3:28:24
